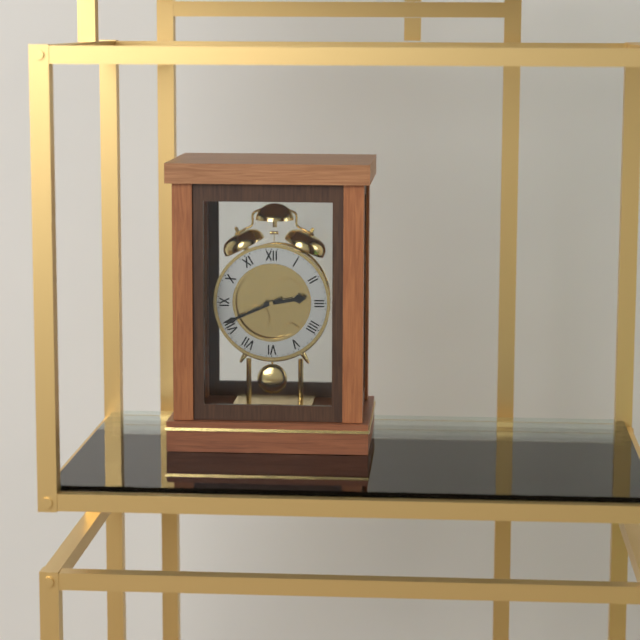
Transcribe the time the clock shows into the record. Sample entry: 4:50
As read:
2:41
